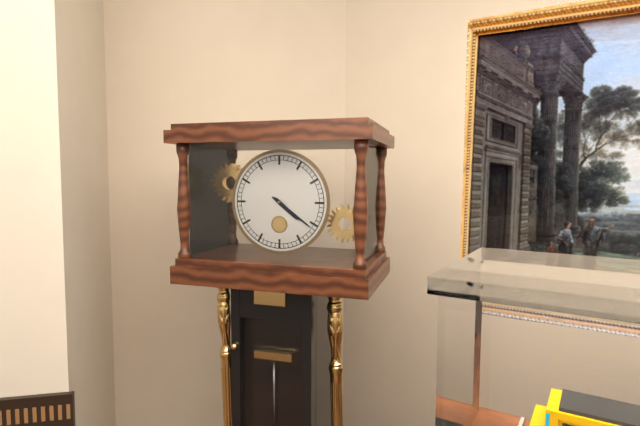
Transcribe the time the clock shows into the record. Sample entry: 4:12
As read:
4:21
